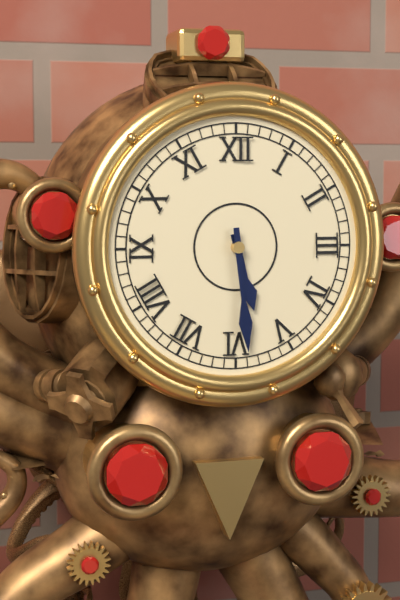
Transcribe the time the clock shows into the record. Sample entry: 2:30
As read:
5:29
